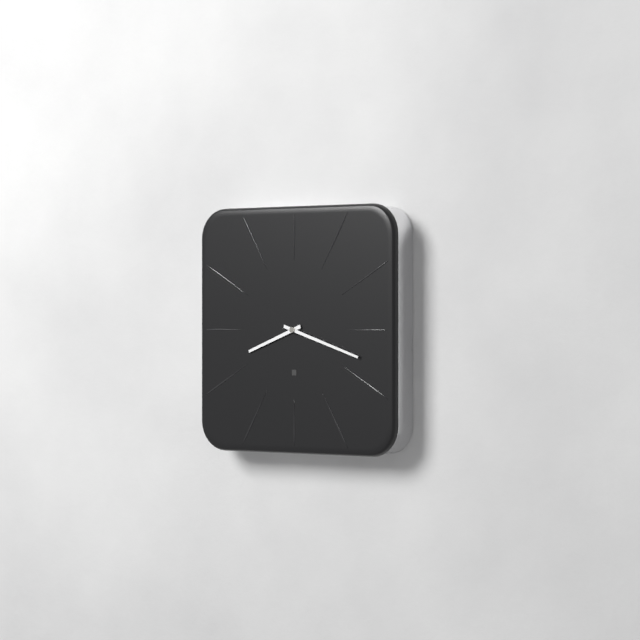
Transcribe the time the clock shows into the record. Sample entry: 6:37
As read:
8:18
